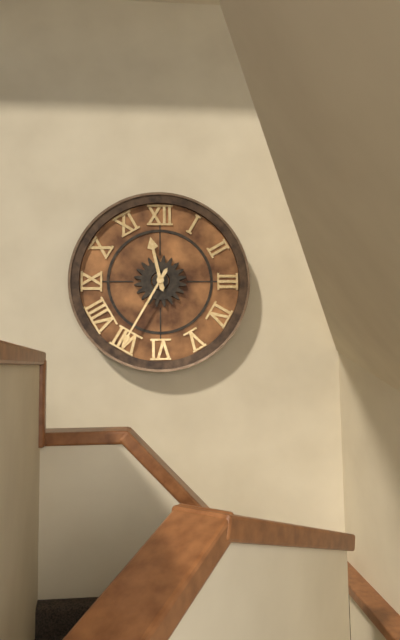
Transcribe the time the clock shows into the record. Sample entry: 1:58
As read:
11:35
